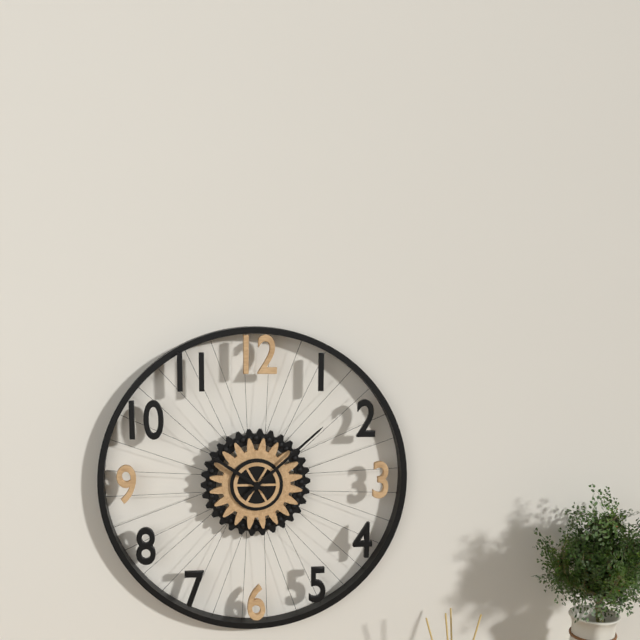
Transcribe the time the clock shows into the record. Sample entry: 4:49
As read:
10:08
